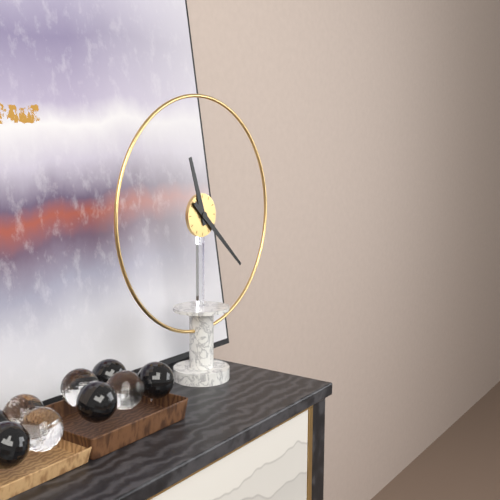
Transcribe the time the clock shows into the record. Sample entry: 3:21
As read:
11:22
